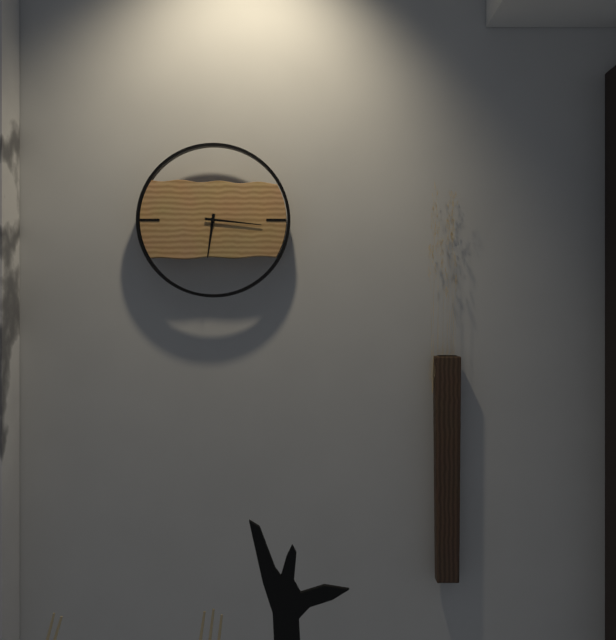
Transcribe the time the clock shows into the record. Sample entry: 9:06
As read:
6:16
